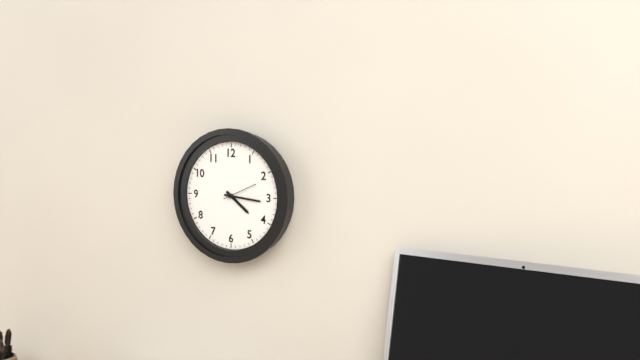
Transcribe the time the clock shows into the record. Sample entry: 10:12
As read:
4:16
